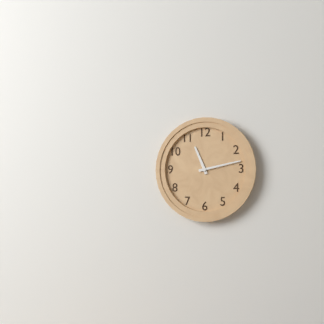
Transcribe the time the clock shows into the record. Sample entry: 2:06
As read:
11:13
